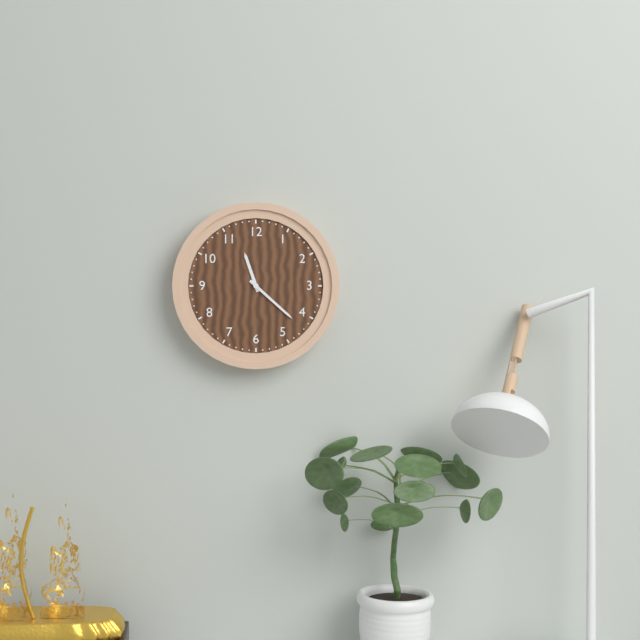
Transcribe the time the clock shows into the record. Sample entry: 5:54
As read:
11:22
